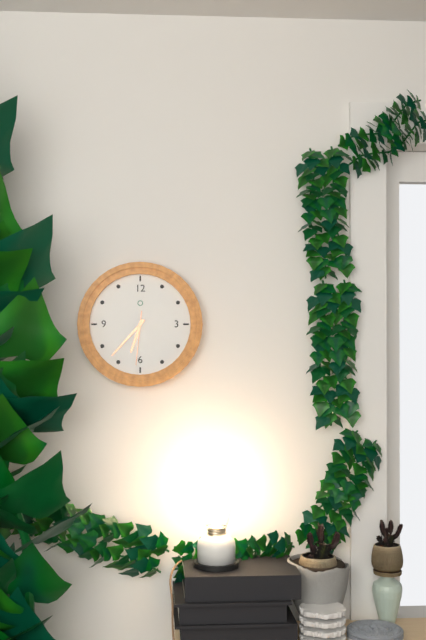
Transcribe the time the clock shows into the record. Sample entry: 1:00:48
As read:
6:37:31
